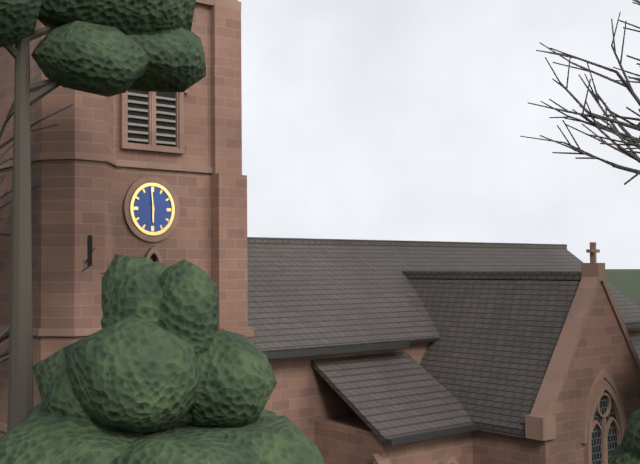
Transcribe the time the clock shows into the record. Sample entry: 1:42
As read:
5:59
